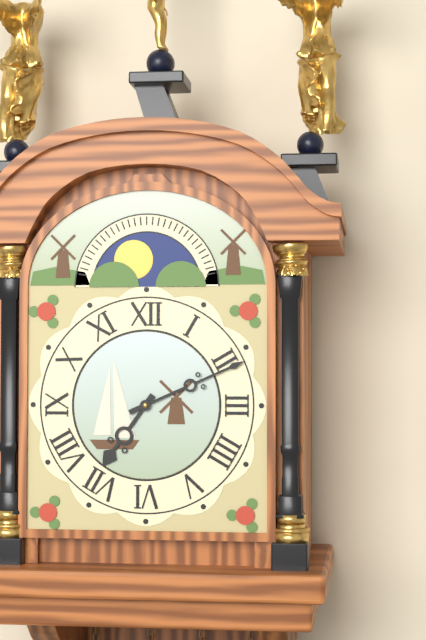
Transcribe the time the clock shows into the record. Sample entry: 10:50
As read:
7:11
